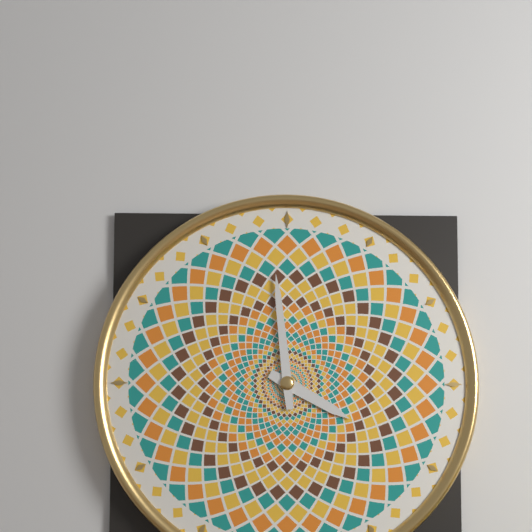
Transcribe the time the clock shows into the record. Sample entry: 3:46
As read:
3:59
